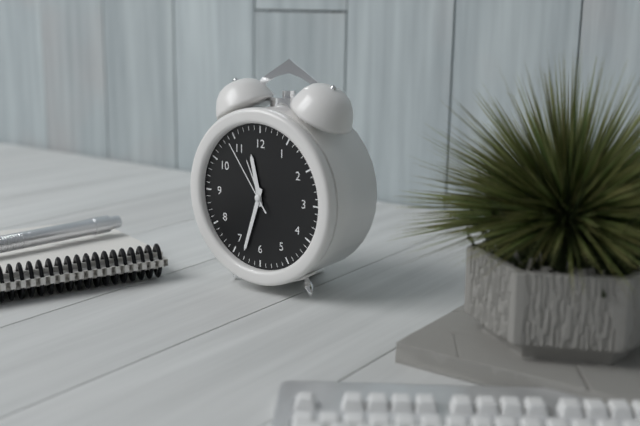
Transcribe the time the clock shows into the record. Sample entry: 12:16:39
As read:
11:33:54
